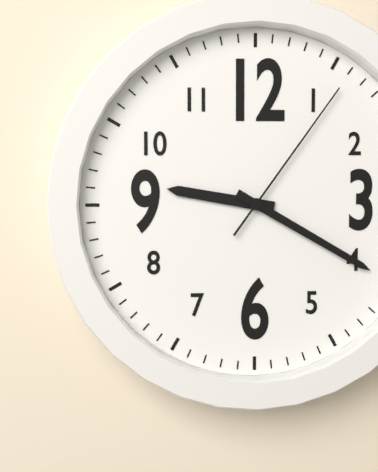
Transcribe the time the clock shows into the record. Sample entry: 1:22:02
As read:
9:20:06
